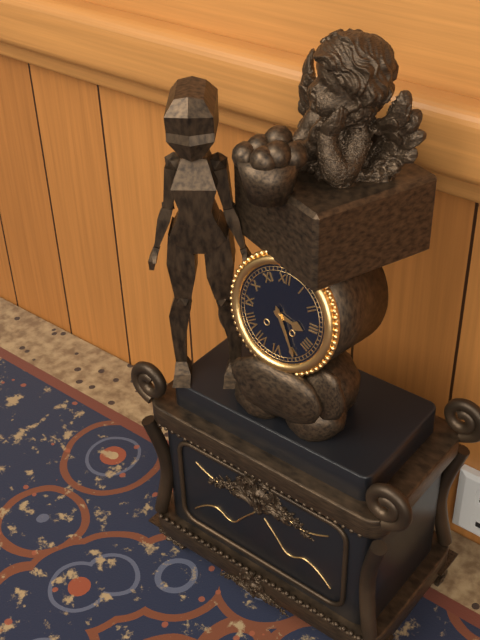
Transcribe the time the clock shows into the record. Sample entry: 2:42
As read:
3:25
